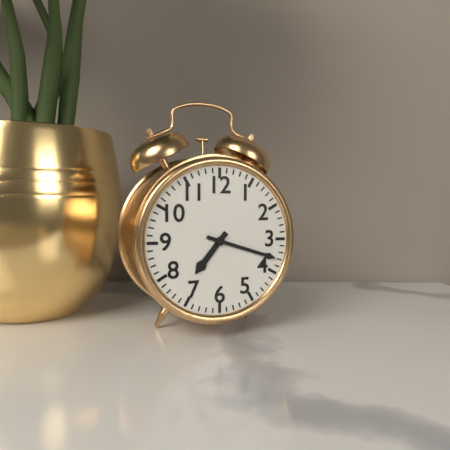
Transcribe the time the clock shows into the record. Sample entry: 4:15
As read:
7:18
